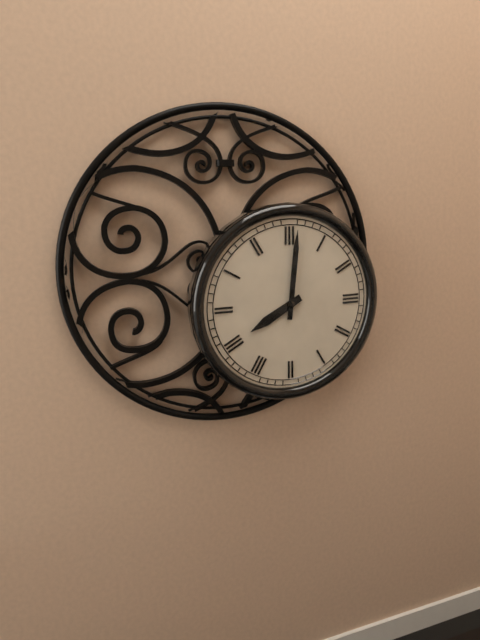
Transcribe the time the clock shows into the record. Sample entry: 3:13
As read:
8:01
